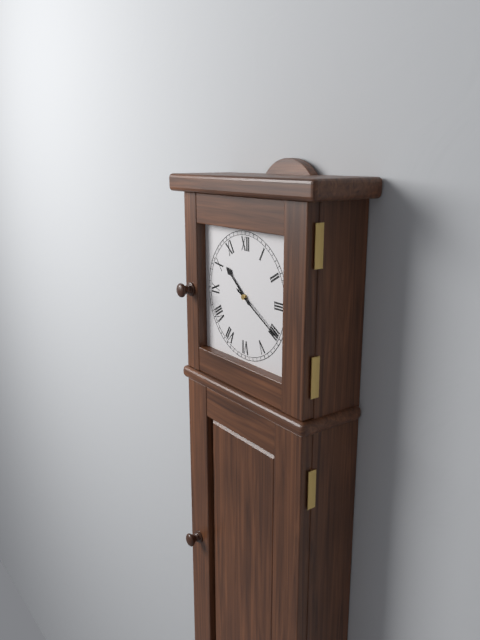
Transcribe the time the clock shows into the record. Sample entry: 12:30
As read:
10:20
